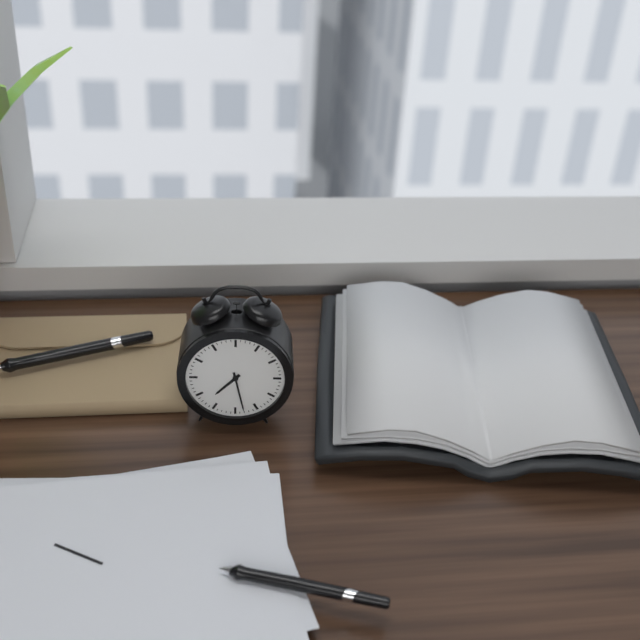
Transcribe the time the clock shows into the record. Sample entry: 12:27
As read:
7:28
